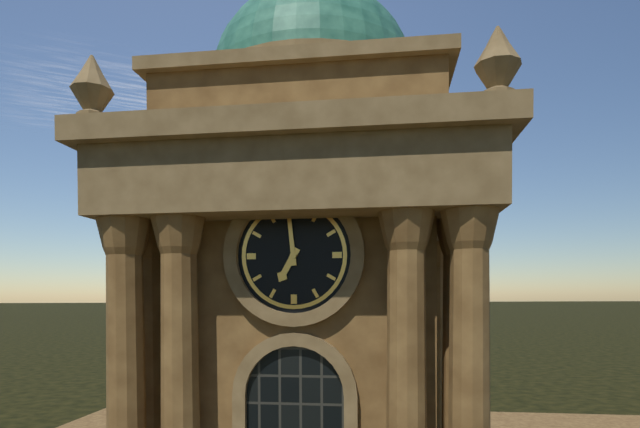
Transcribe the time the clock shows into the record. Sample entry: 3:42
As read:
6:59
